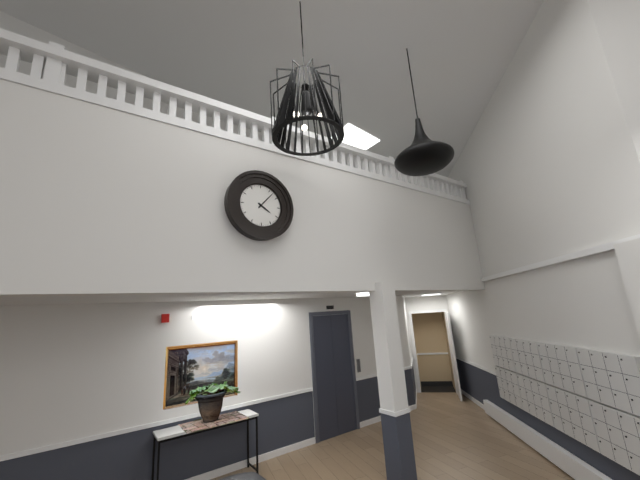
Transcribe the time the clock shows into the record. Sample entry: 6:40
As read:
4:07
